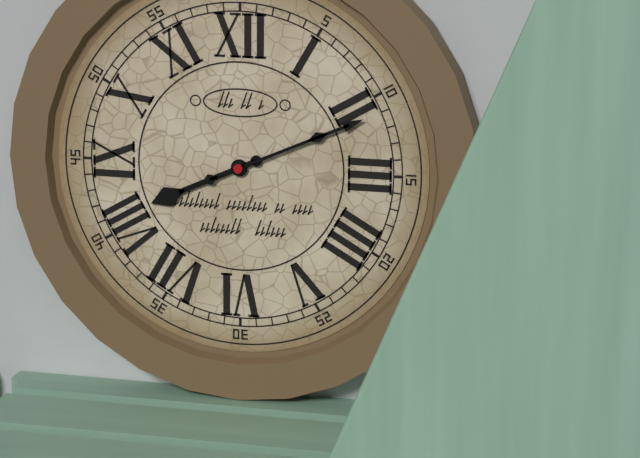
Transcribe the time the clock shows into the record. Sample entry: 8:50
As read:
8:11
